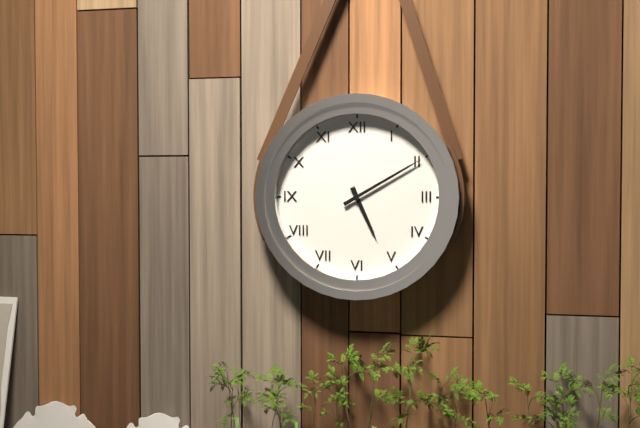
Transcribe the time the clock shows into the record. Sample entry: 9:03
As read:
5:10
